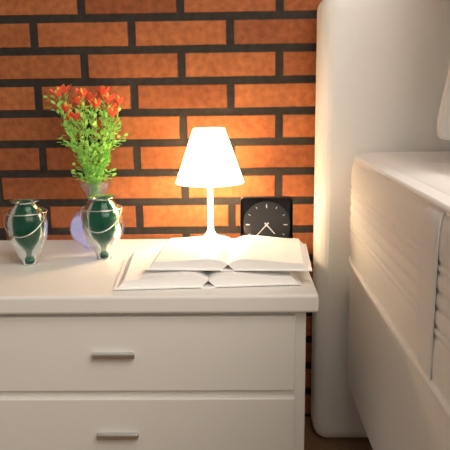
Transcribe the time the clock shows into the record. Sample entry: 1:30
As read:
4:37
